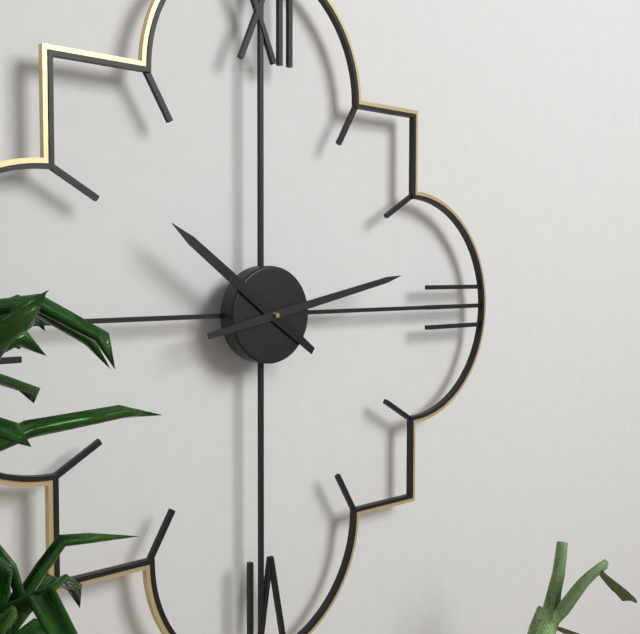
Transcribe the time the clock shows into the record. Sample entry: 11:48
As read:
10:13
